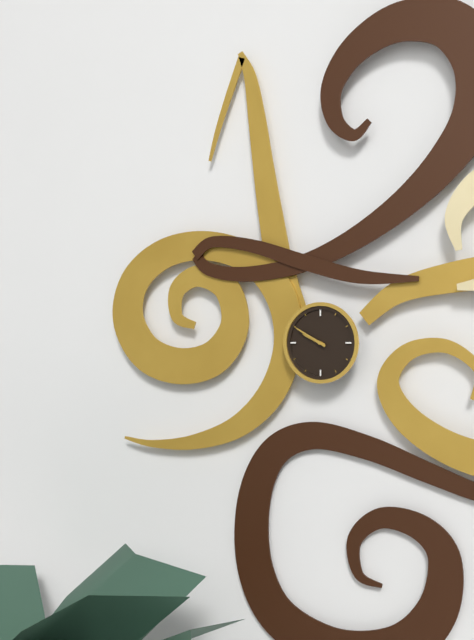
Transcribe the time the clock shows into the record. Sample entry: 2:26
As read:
9:50
